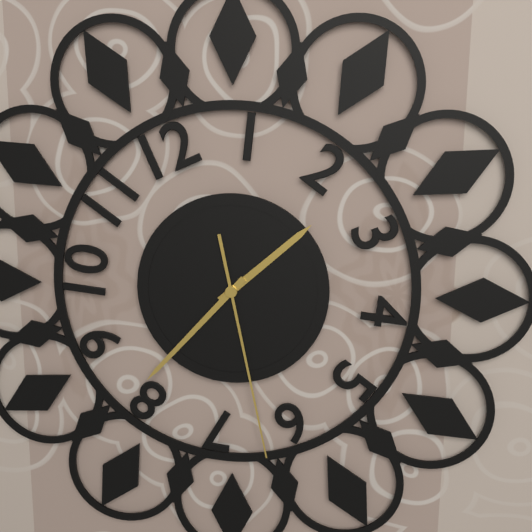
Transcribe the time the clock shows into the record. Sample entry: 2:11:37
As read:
1:37:28
